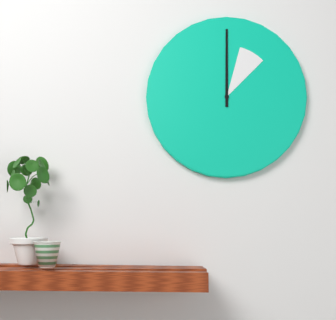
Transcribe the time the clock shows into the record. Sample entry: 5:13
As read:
1:00
